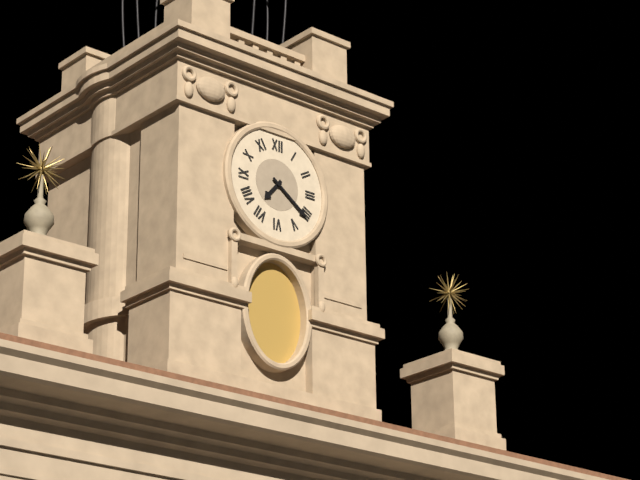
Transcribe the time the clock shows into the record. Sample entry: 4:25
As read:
7:21
